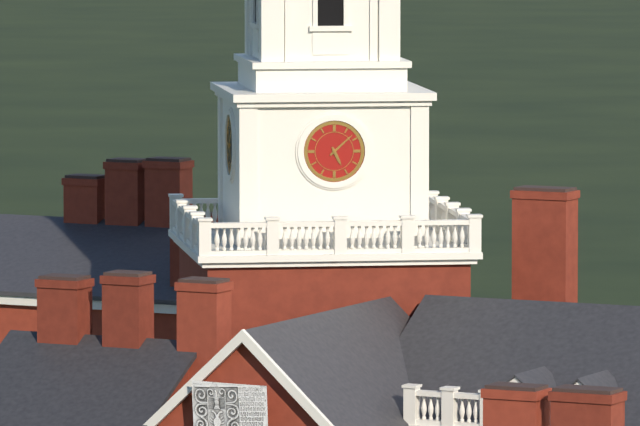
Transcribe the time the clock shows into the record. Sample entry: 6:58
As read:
5:08
